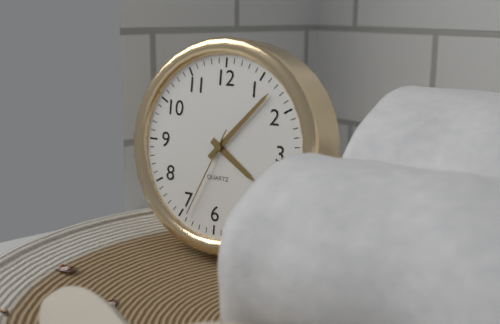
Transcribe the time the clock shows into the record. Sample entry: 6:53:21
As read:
4:07:34
